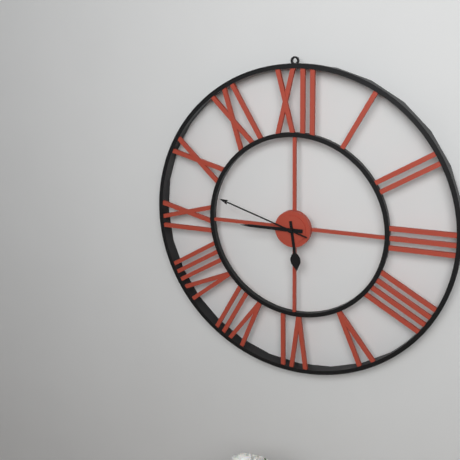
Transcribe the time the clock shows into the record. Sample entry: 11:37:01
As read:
5:45:48
